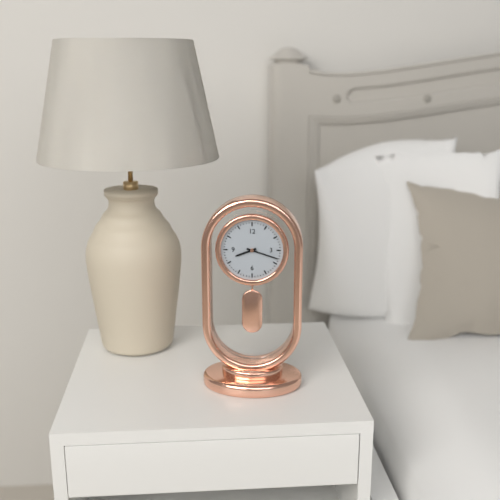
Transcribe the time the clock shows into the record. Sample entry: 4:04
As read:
8:18
